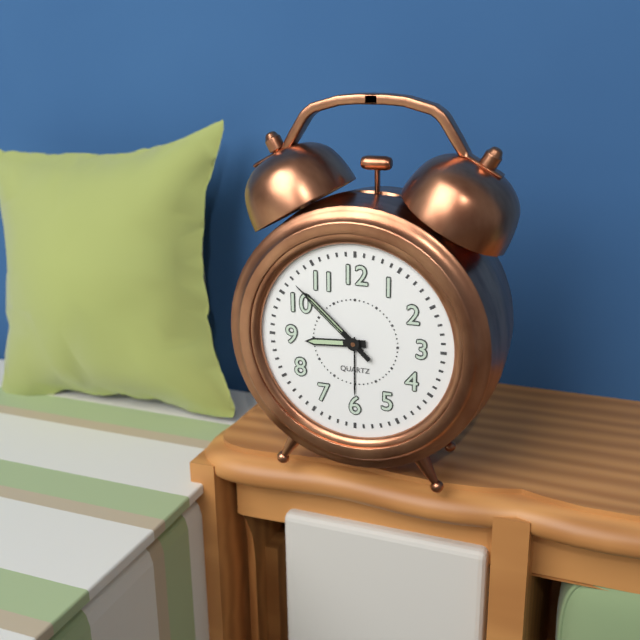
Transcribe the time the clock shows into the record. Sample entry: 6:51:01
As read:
8:52:52
